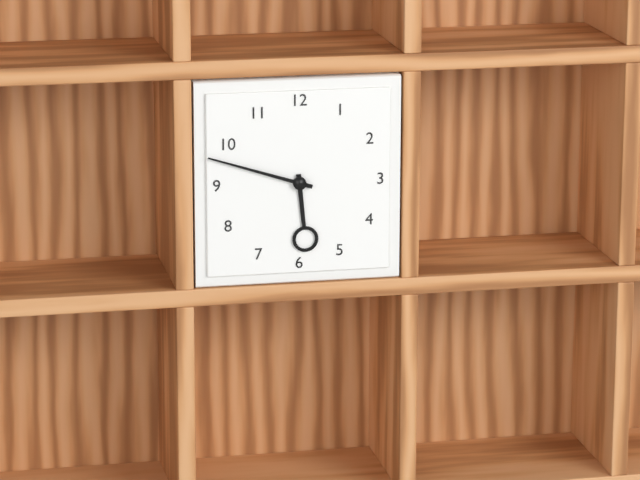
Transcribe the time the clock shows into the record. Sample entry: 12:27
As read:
5:48
